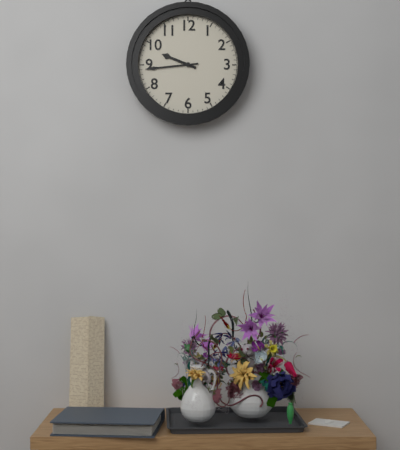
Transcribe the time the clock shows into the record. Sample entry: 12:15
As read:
9:44
